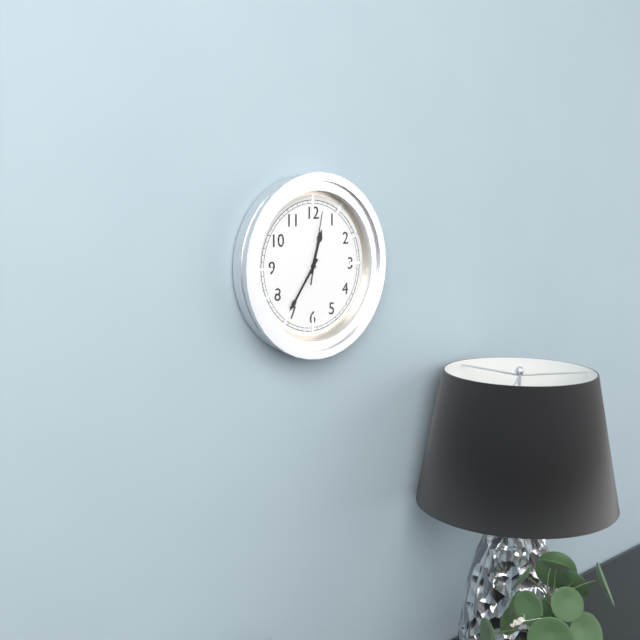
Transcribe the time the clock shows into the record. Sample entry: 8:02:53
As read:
12:36:02
